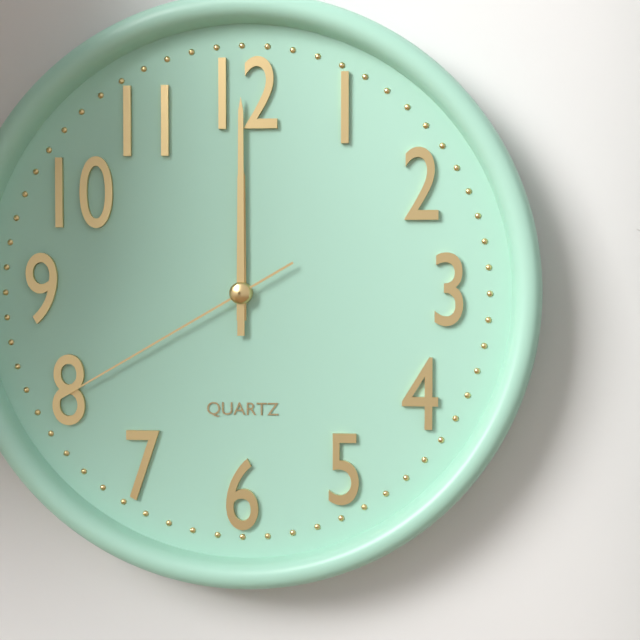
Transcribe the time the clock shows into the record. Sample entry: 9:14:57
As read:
12:00:40
